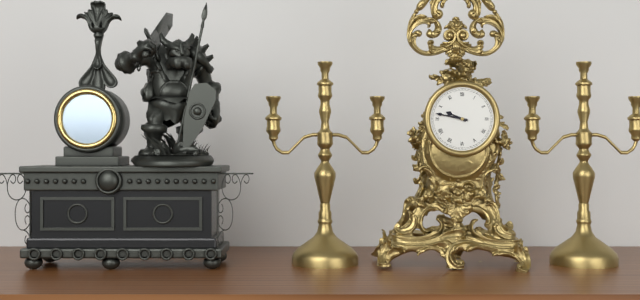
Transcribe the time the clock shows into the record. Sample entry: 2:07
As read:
9:47
